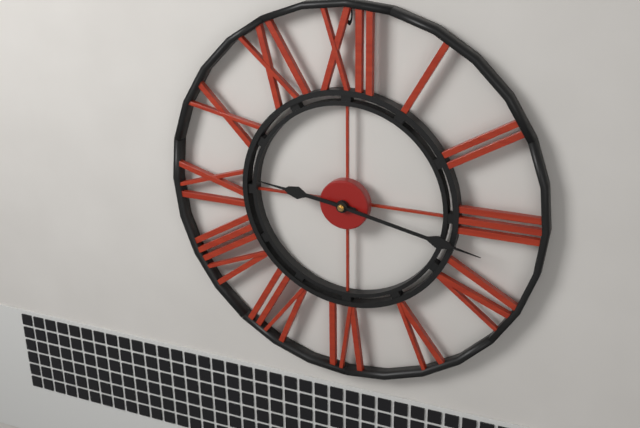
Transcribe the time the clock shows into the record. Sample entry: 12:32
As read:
9:17
